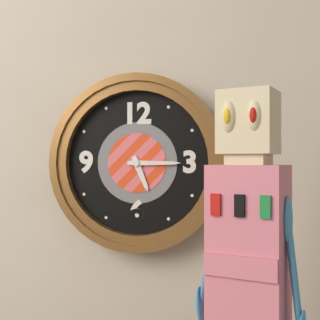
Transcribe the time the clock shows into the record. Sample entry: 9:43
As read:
5:15
